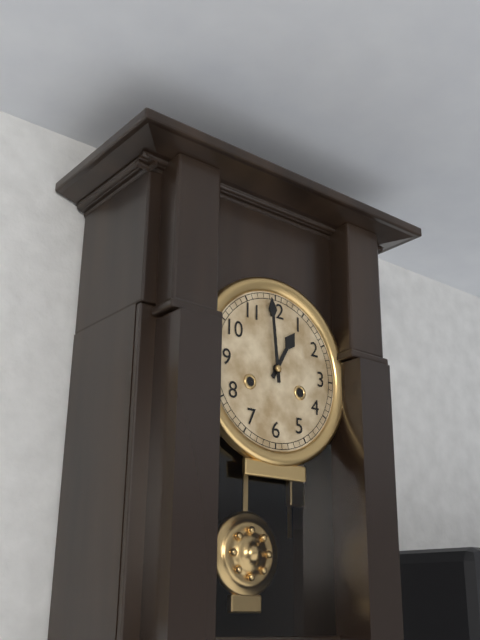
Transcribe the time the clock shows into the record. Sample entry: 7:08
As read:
12:59
